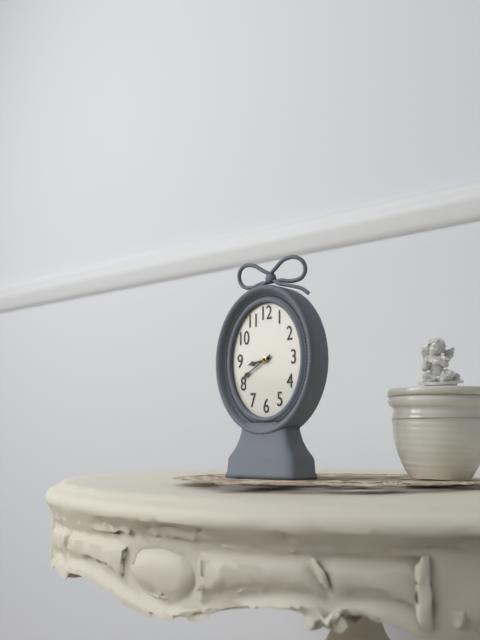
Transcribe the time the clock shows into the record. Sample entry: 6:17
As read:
8:40
